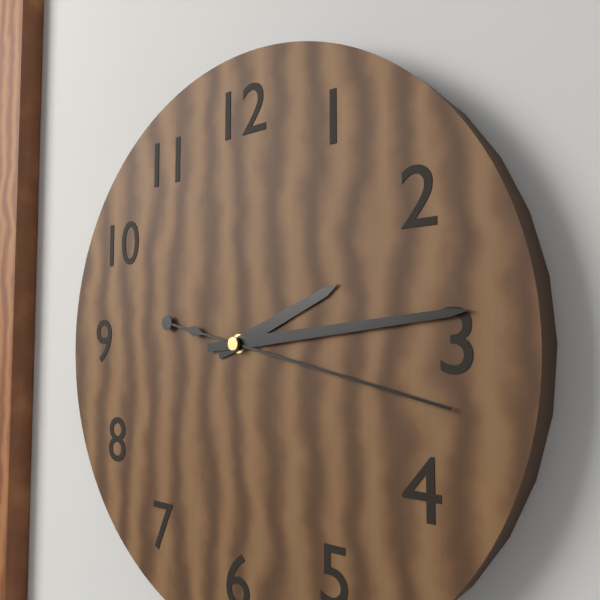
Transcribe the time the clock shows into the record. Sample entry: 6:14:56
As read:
2:14:17
